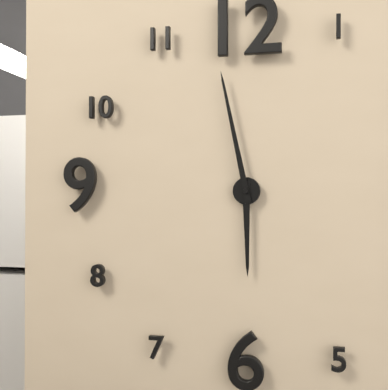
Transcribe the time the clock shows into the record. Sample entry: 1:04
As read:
5:58
